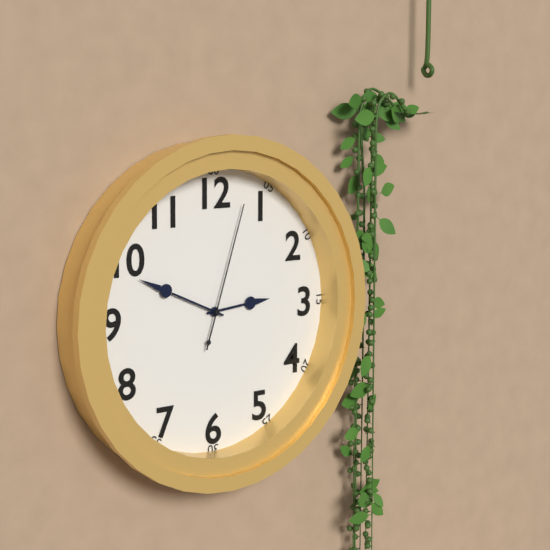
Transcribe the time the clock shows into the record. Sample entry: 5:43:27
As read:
2:49:03
